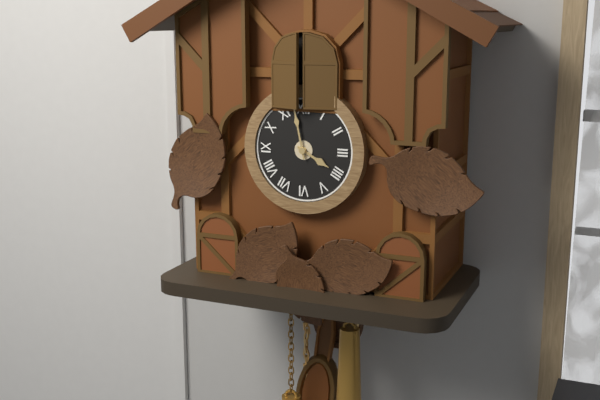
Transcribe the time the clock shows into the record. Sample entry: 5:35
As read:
3:58
